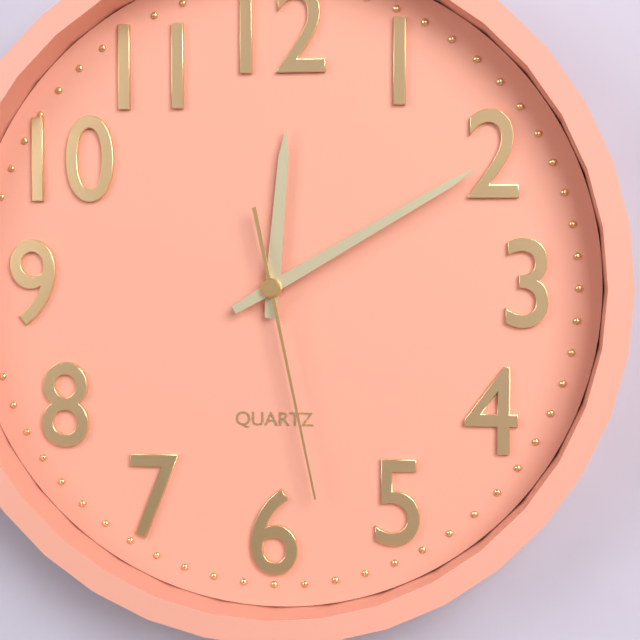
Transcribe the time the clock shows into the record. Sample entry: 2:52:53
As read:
12:10:28
